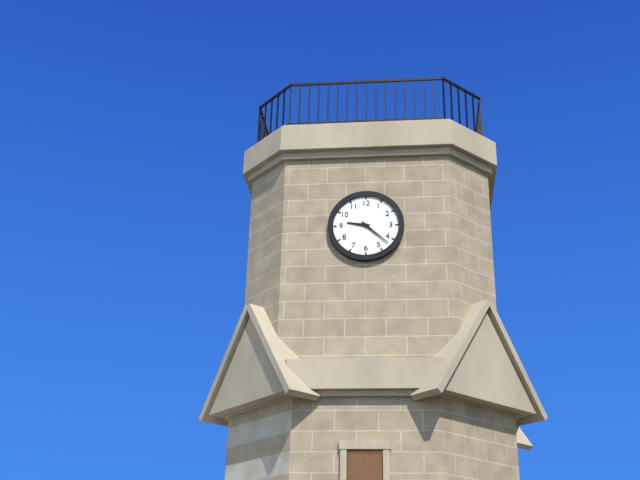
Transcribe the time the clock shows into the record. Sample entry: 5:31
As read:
9:22
